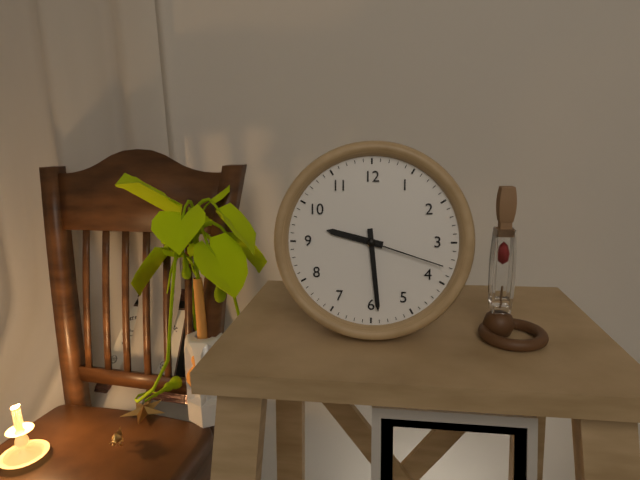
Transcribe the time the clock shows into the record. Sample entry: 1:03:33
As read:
9:29:18
